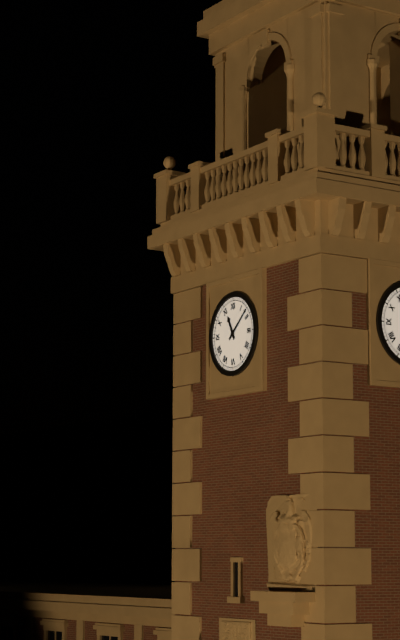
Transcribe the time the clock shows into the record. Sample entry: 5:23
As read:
11:08
